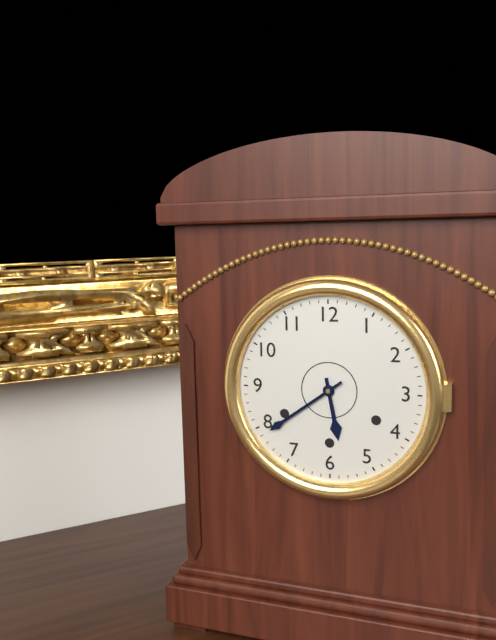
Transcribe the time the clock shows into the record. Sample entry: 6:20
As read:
5:39
